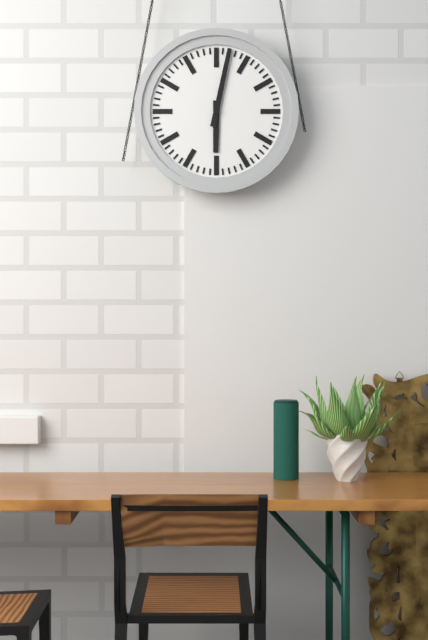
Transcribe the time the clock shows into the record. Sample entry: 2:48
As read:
6:02
